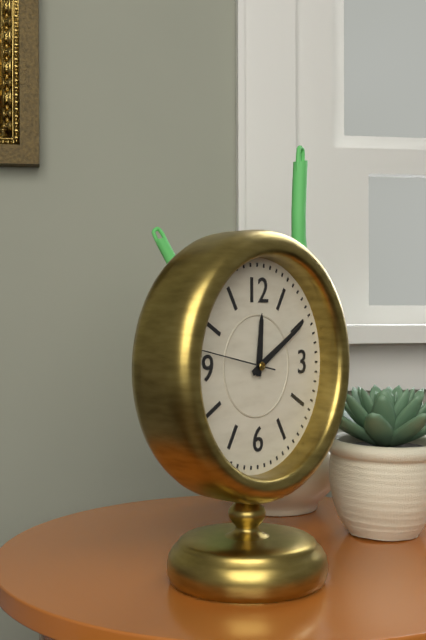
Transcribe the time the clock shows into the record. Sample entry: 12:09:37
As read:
12:10:47
